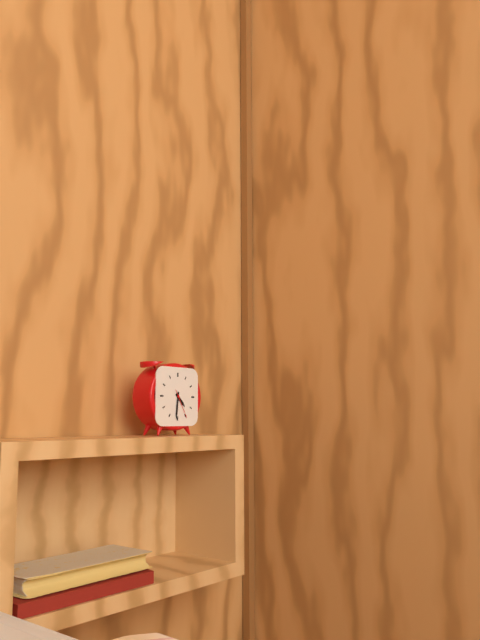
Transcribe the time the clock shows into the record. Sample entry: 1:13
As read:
4:31
